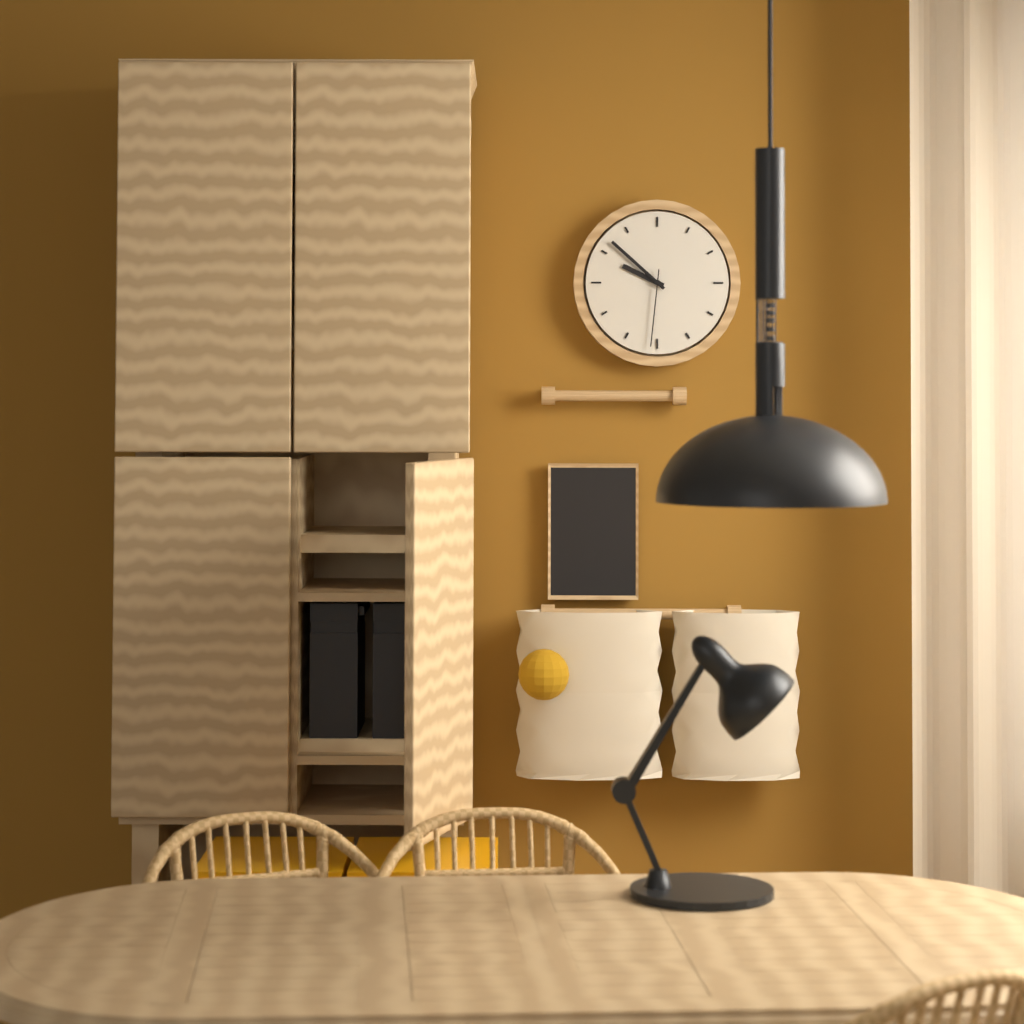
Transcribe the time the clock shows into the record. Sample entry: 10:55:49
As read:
9:52:31
